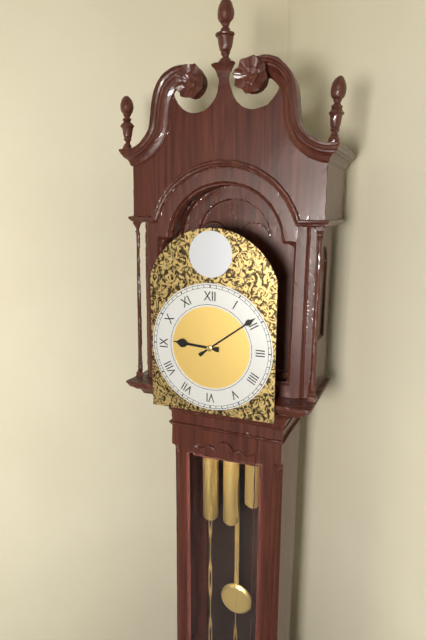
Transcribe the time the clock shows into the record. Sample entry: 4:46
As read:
9:09
